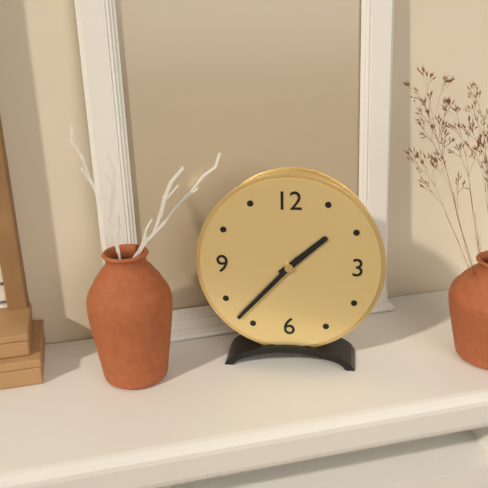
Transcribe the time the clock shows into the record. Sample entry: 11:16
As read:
1:37
